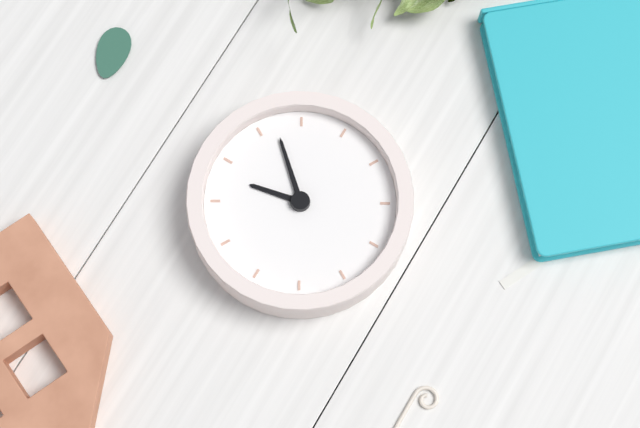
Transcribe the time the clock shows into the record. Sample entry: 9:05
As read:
5:37
